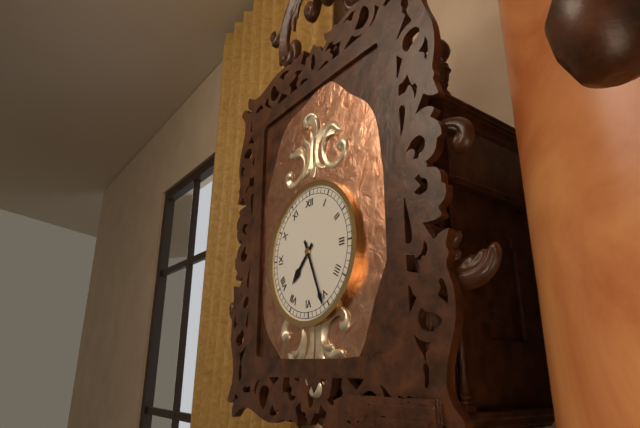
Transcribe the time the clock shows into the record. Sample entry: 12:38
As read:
7:26
